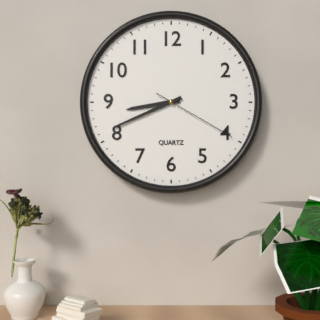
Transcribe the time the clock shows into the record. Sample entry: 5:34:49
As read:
8:41:20
